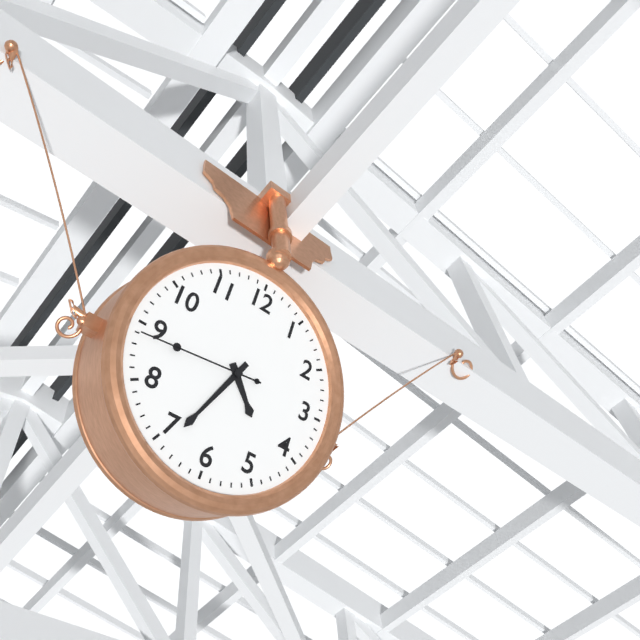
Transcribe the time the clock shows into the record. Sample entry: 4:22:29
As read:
4:34:44
